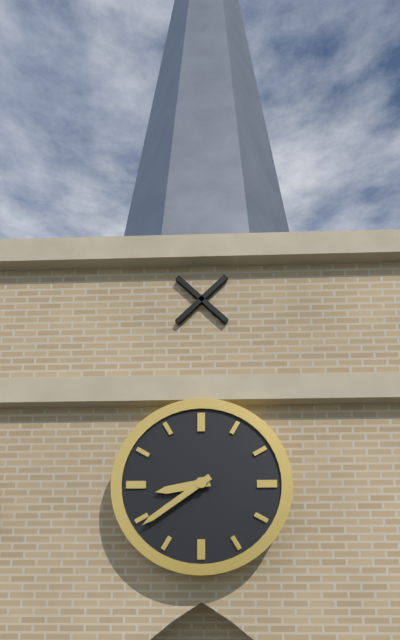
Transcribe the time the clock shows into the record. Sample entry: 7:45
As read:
8:39
